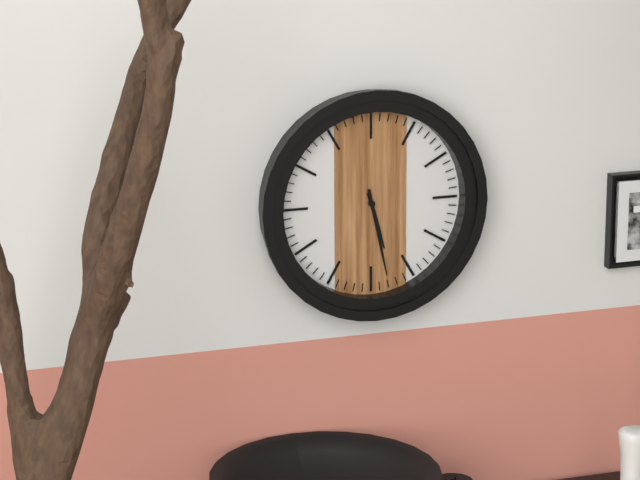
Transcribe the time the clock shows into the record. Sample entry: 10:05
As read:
5:28
